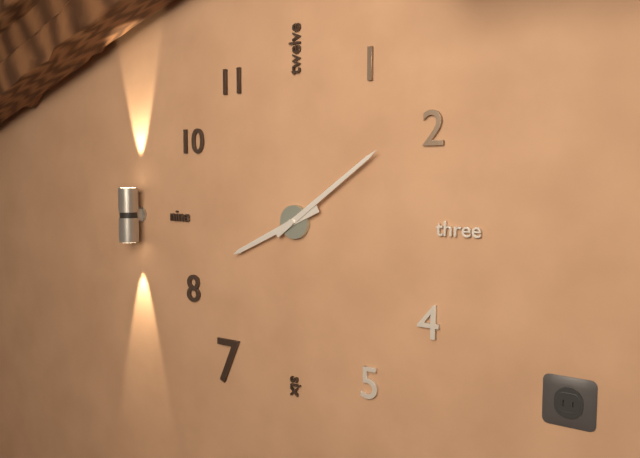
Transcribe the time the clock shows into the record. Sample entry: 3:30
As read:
8:09
